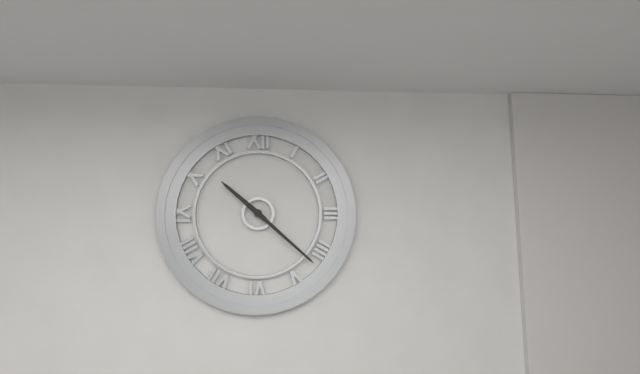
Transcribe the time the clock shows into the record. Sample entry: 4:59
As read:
10:22
